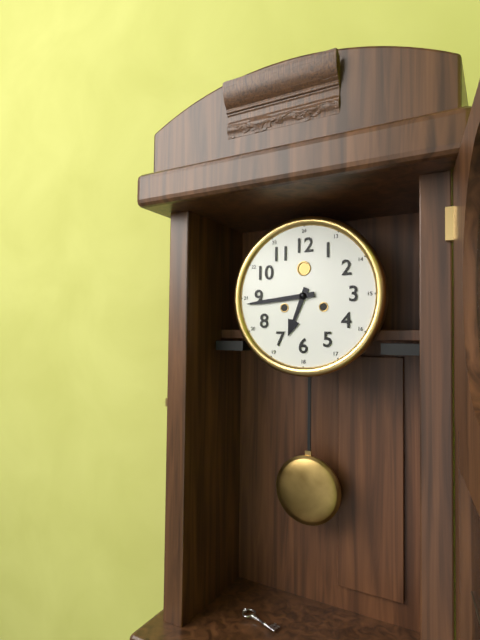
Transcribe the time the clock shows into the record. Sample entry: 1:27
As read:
6:44
